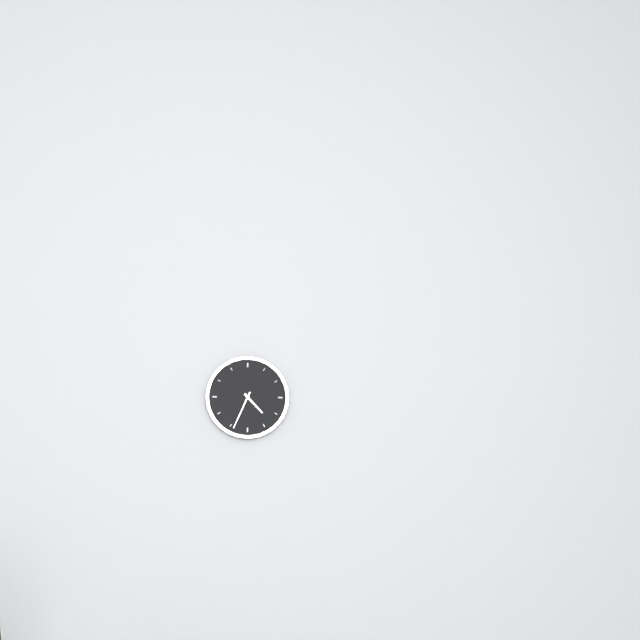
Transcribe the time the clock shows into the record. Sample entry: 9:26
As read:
4:34
